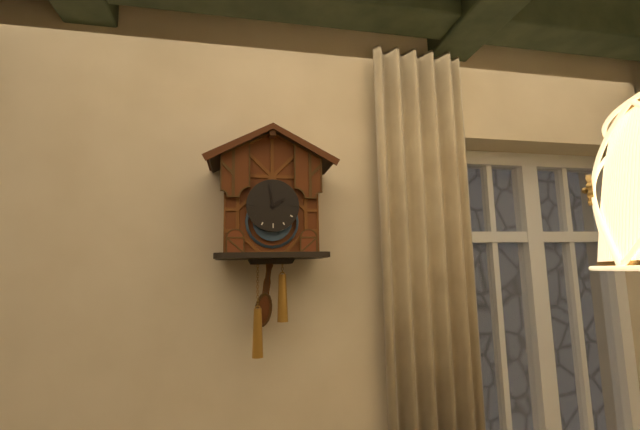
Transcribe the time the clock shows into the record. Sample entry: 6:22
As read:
1:58
